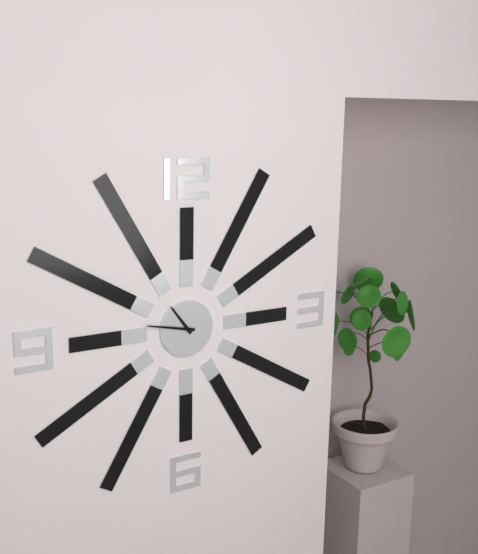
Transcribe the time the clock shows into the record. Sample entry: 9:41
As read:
10:47
